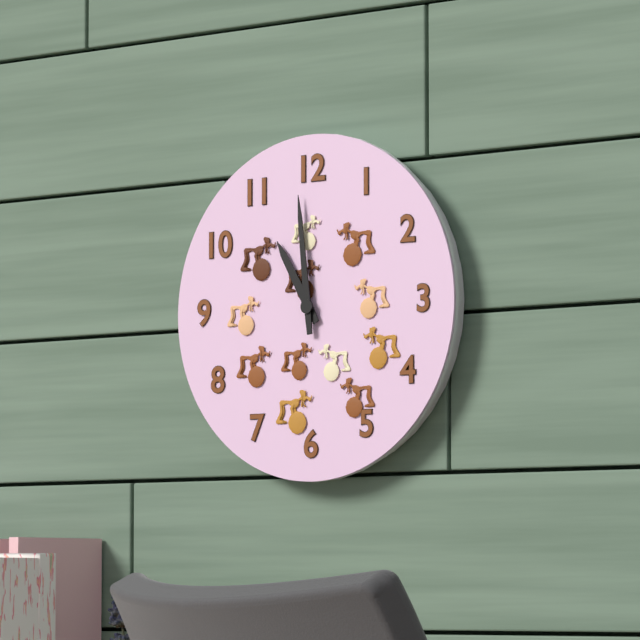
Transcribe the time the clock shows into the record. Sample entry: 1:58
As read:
10:59
